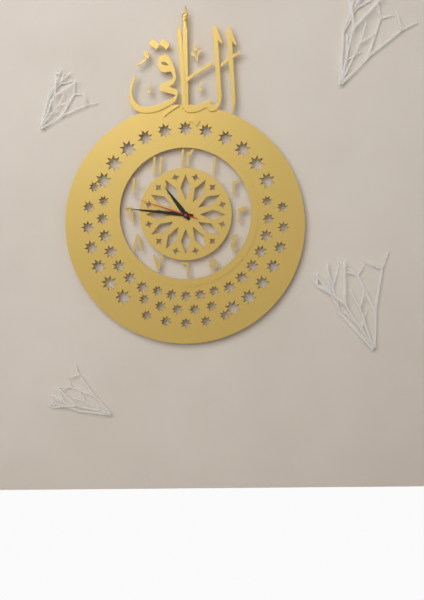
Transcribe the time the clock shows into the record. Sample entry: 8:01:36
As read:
10:46:48
